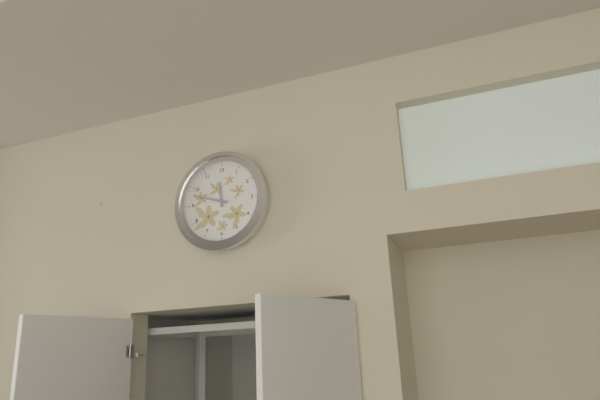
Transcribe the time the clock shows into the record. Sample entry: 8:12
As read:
11:48
